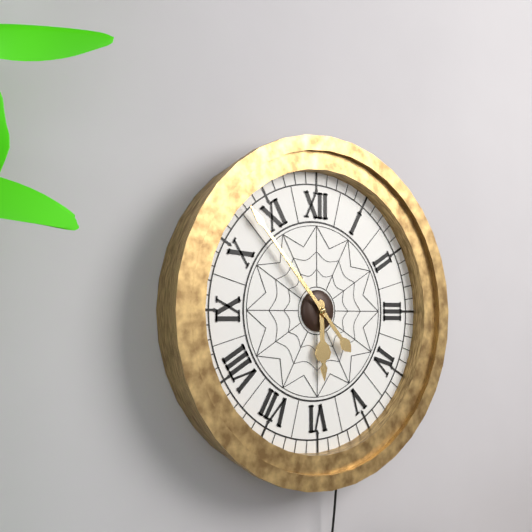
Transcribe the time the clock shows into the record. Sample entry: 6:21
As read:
5:53
